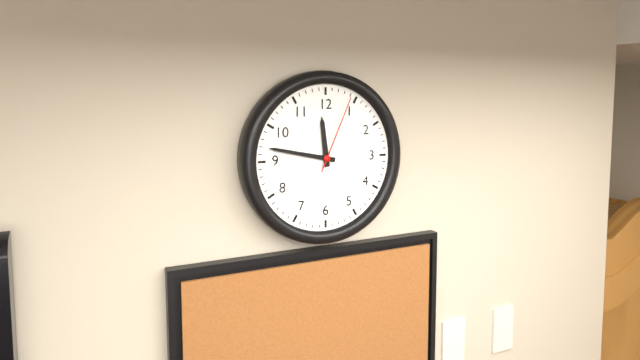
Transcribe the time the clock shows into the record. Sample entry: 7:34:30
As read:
11:47:04
